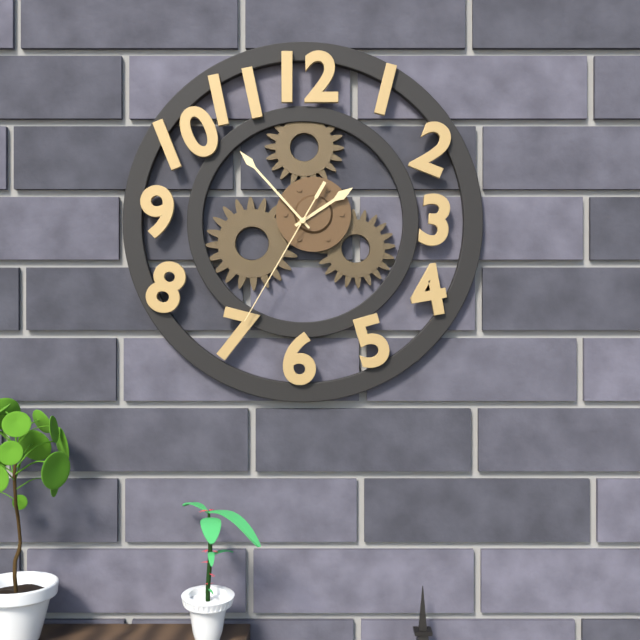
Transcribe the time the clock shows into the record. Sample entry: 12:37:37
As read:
1:53:35
